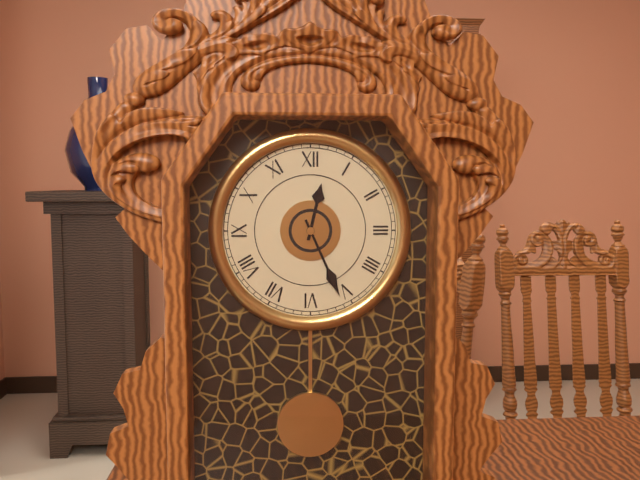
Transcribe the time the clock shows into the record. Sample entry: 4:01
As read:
12:26
